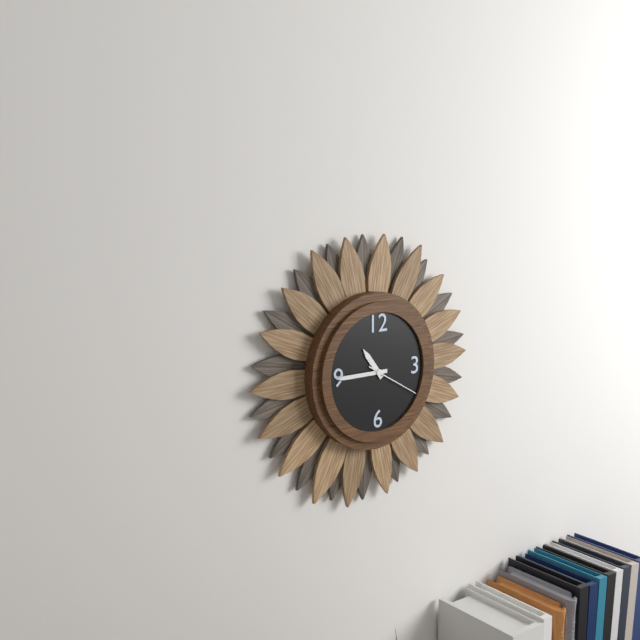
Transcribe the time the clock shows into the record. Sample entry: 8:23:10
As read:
10:45:20
